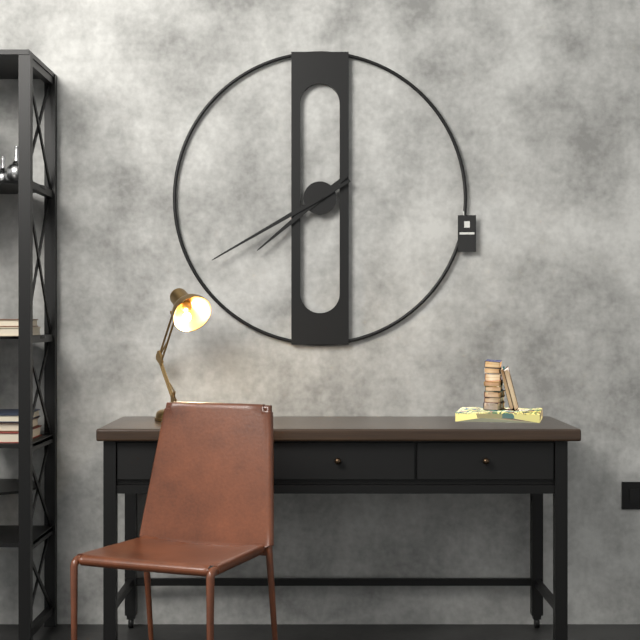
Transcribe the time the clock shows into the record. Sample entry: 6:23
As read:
7:40
